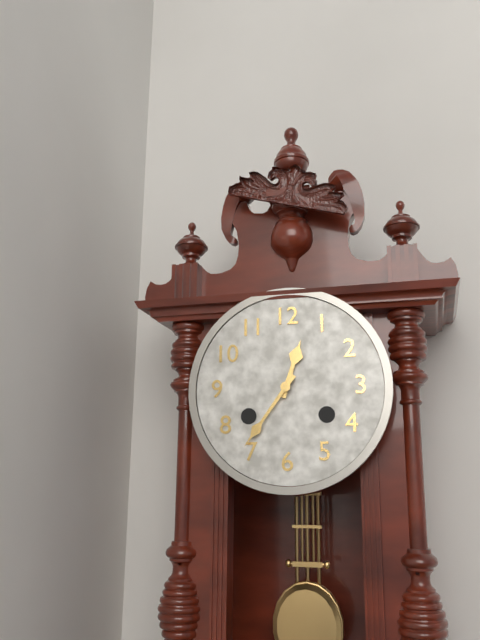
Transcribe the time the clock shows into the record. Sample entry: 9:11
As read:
12:36
